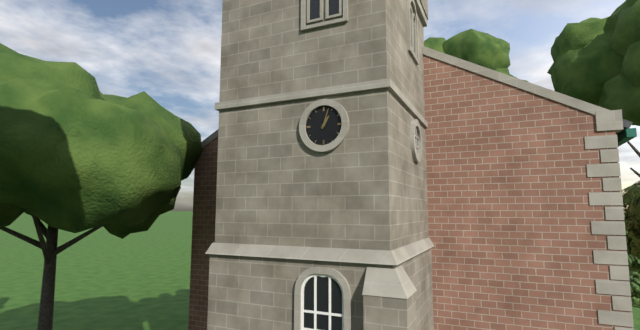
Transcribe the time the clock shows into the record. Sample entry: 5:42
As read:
1:03
